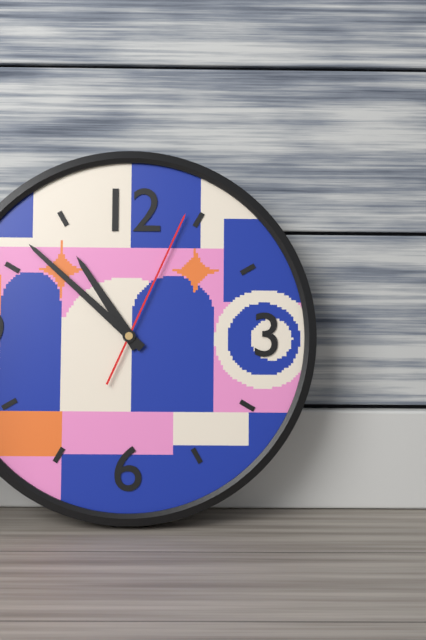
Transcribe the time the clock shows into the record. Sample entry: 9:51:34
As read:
10:52:04
